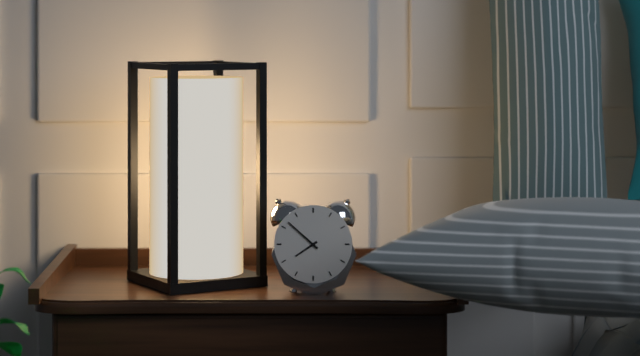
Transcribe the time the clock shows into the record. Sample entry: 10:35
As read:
7:52
